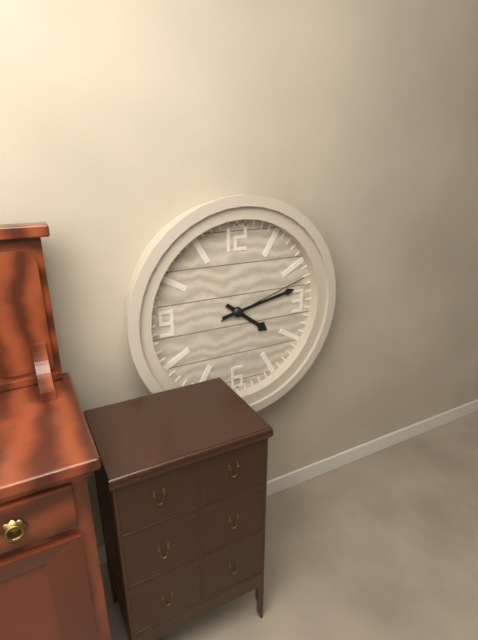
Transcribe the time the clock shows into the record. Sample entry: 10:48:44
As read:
4:13:12
